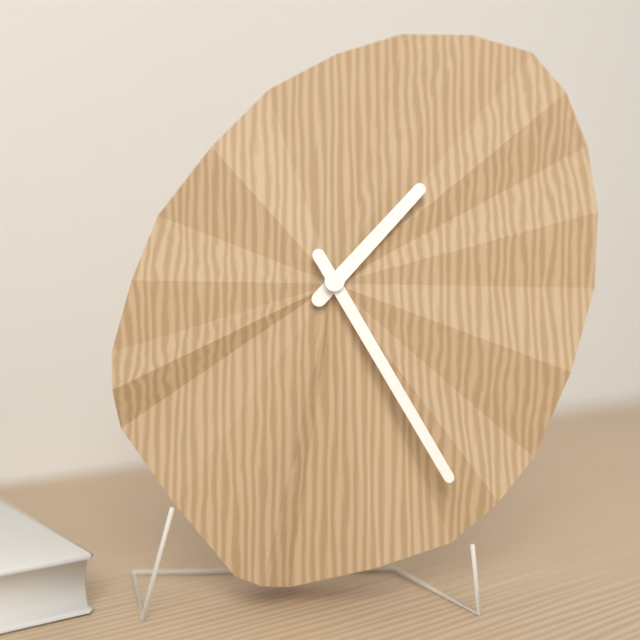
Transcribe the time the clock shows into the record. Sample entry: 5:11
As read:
1:25
